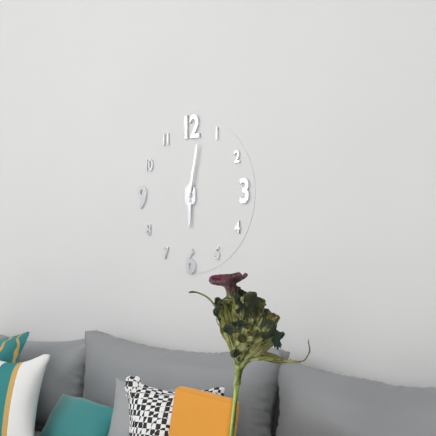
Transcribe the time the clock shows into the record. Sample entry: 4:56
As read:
6:02
